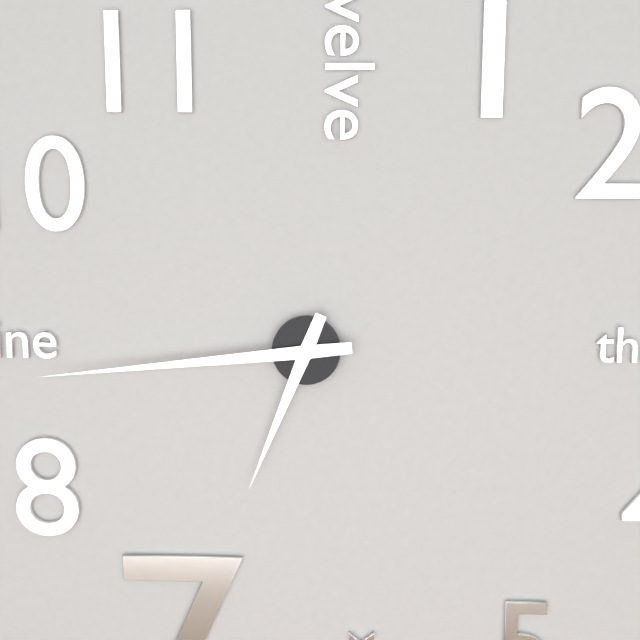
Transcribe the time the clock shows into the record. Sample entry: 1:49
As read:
6:44
